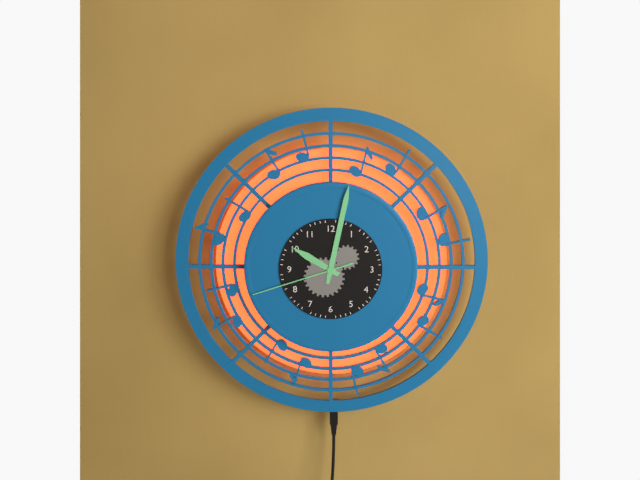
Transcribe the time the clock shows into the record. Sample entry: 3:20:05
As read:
10:02:42
